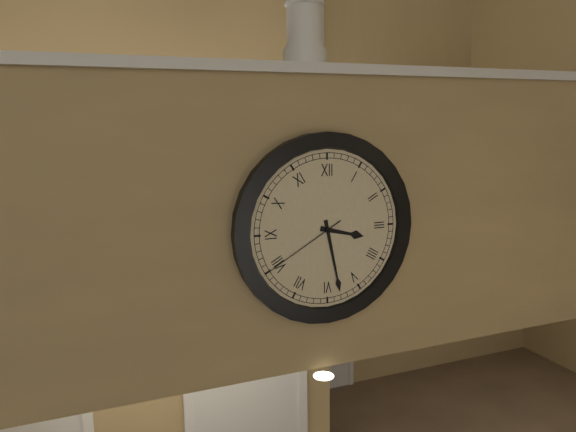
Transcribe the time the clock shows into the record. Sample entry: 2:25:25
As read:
3:28:40
